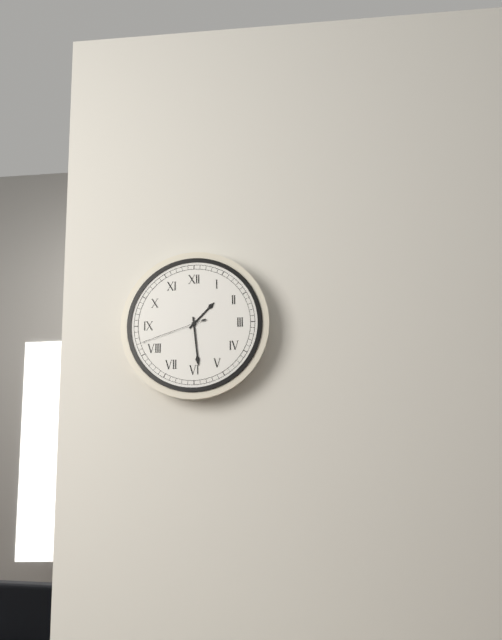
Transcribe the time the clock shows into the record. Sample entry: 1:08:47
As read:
1:29:42
